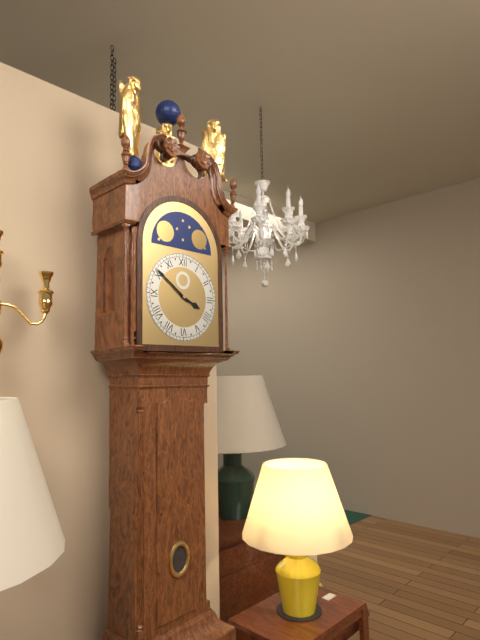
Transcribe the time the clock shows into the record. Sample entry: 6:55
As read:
3:51
